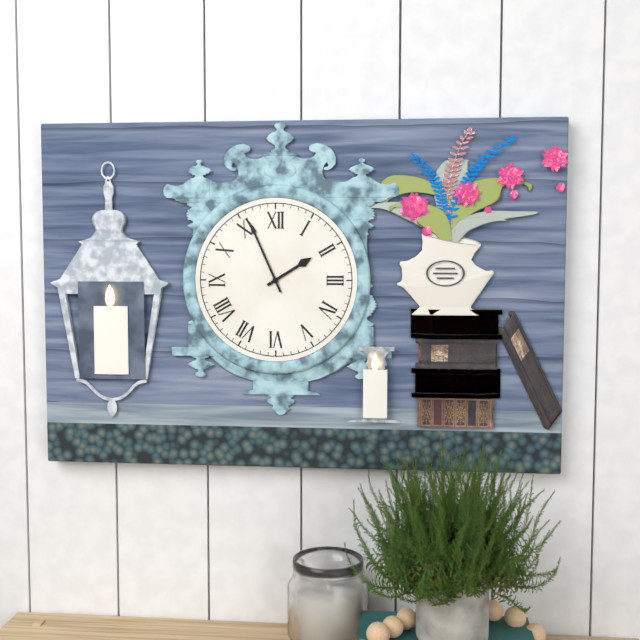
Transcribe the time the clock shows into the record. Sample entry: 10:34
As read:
1:56
